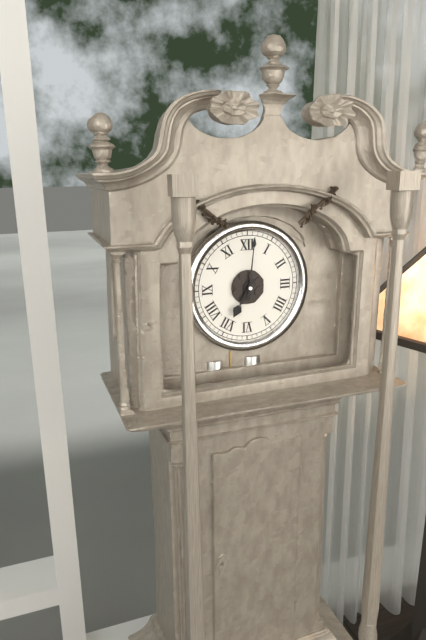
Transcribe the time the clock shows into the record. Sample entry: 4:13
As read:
7:01
